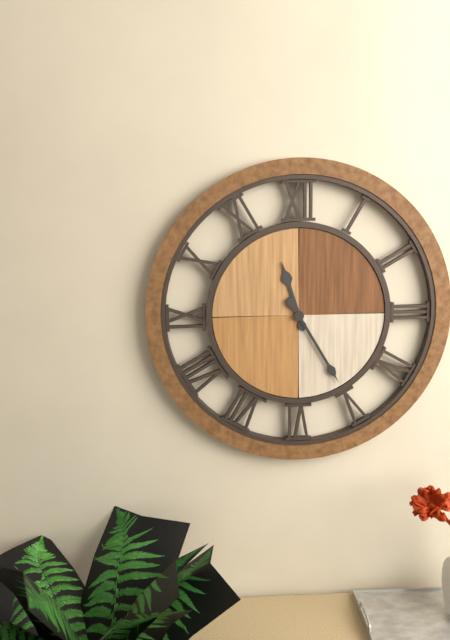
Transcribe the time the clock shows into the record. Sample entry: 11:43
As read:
11:25
